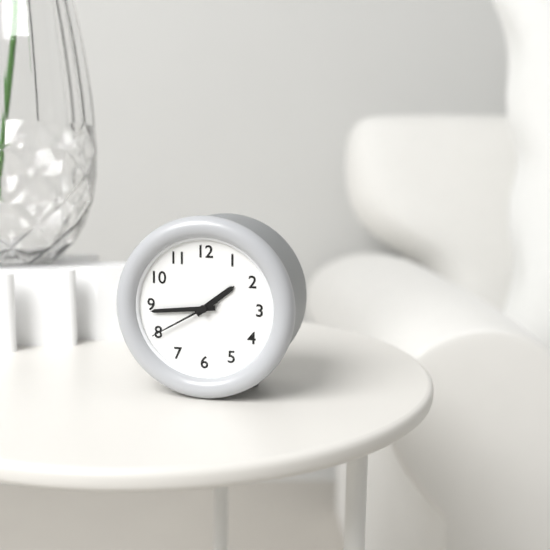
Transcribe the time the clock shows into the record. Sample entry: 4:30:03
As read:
1:44:40
